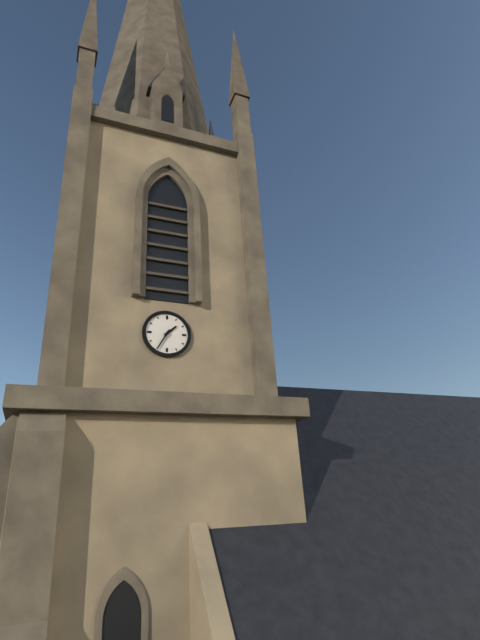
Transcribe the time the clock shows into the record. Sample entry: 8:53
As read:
1:35
